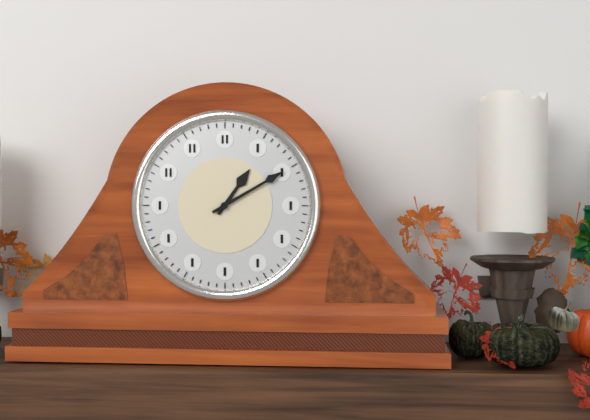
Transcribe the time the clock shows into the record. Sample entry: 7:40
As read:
1:10
